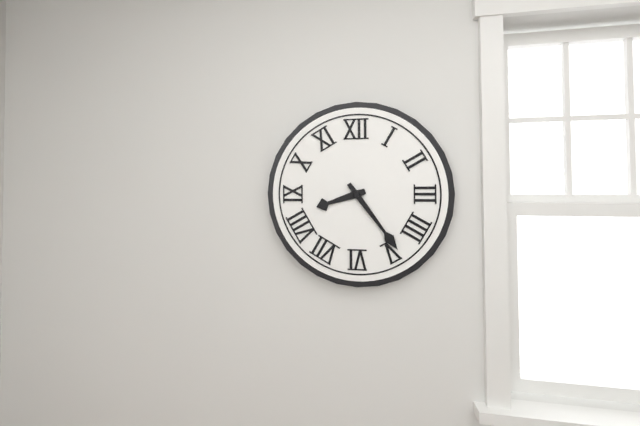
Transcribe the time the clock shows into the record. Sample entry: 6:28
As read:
8:24
